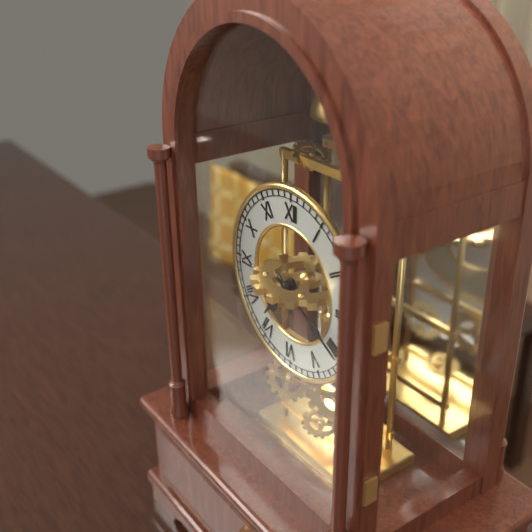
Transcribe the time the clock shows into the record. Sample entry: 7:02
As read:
7:20
